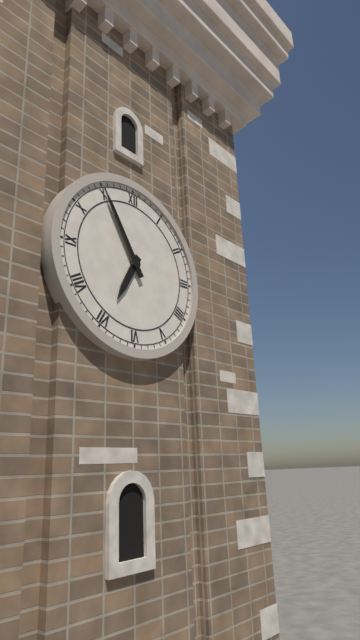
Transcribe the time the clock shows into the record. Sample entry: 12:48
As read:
6:55
